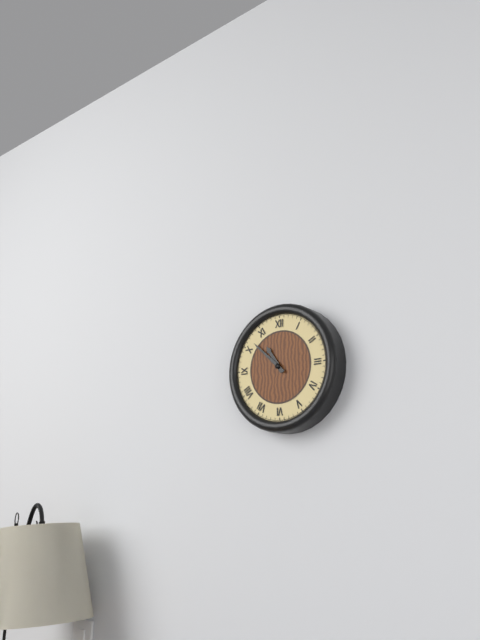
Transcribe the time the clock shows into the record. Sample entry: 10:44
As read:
10:52
